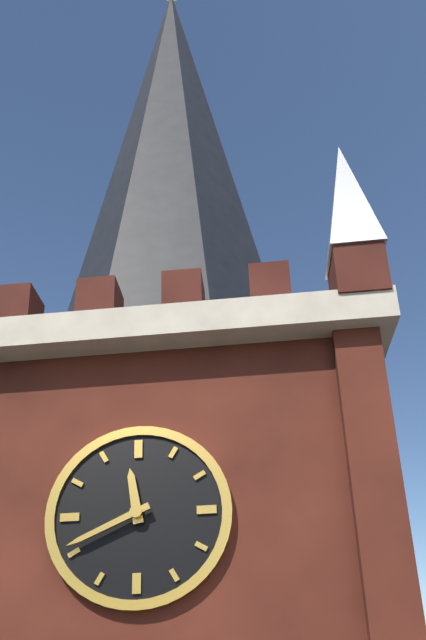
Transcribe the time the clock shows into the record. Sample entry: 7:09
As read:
11:41
